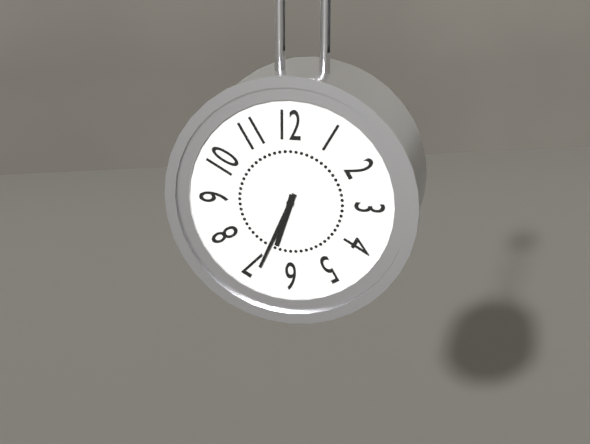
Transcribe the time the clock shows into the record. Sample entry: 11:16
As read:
6:34
